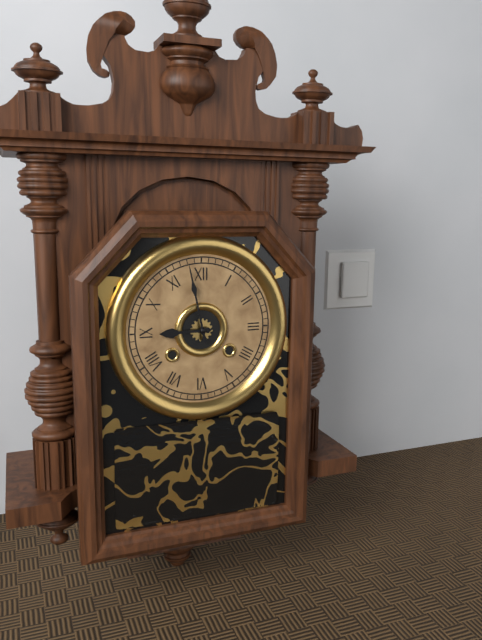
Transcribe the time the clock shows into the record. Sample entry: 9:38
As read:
8:58
